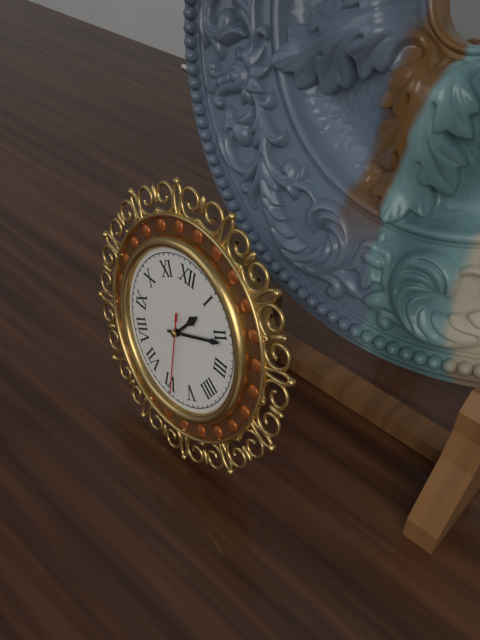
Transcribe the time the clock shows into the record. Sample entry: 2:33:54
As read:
1:11:29
